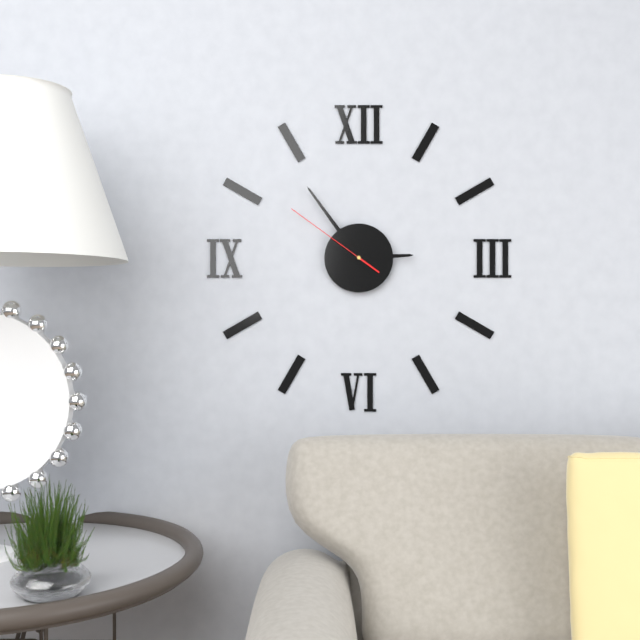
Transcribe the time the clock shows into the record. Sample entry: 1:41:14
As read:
2:54:51
